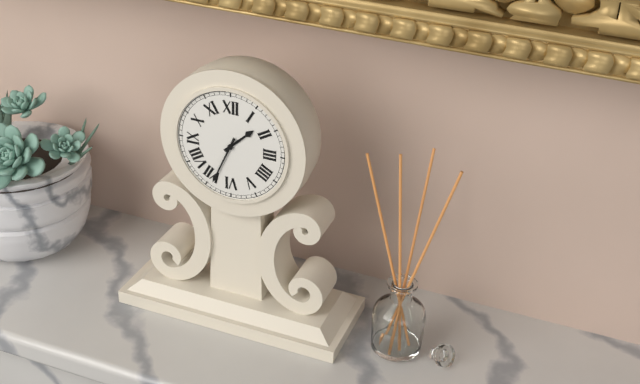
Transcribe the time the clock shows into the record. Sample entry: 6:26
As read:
1:34
